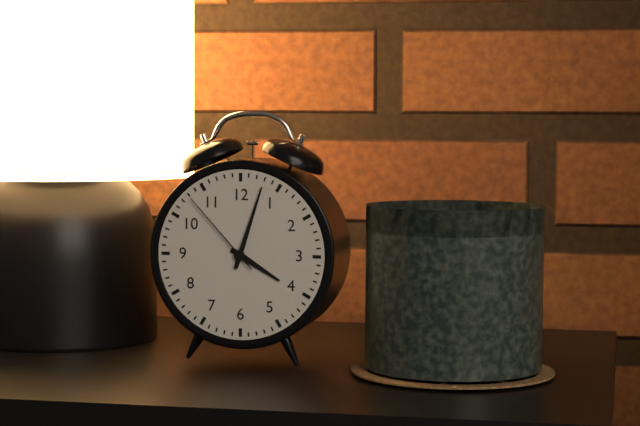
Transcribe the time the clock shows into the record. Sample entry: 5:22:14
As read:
4:03:53
